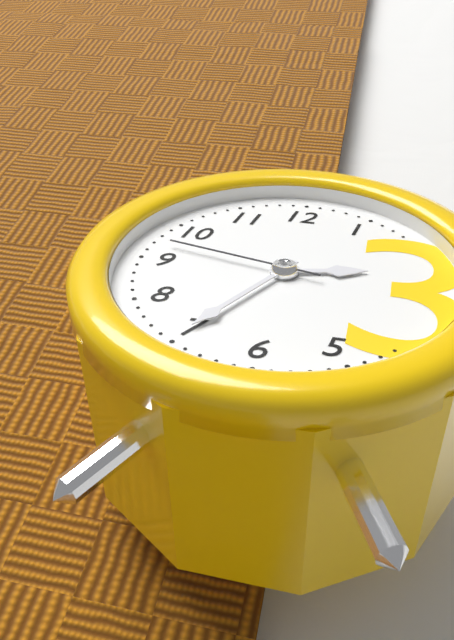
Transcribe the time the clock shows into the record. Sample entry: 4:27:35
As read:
2:35:47
